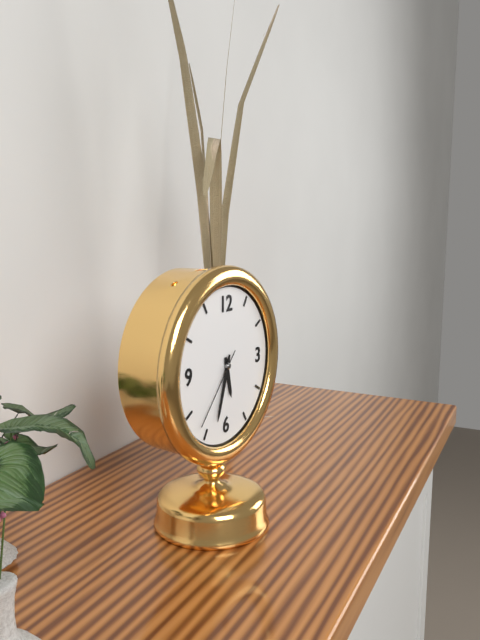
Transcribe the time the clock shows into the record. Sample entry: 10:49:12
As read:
5:33:37
